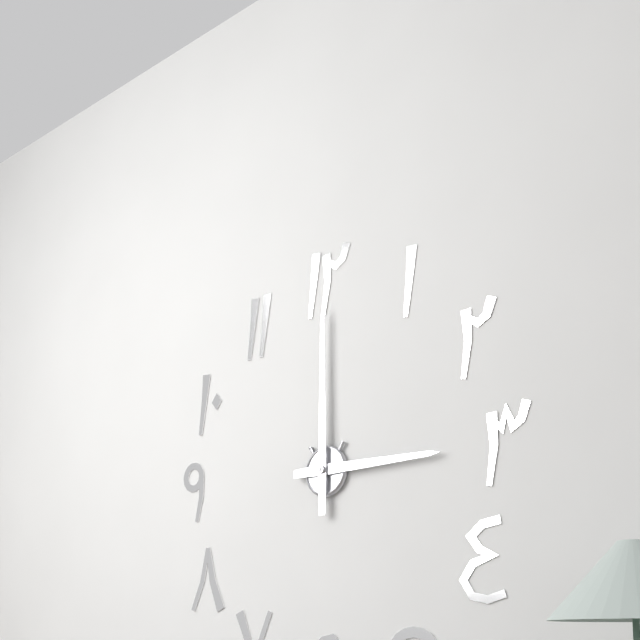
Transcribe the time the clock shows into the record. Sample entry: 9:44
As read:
3:00
